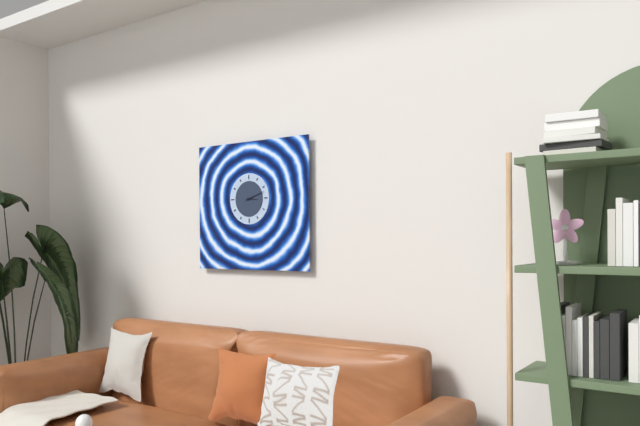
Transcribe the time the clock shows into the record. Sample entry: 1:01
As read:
3:12
